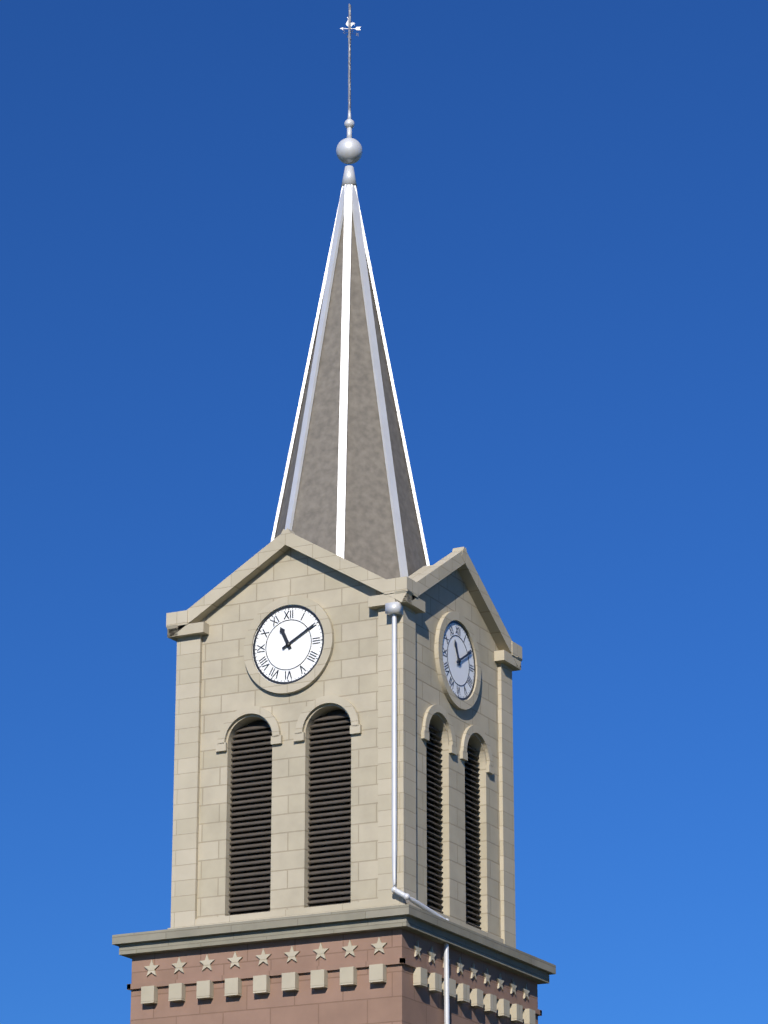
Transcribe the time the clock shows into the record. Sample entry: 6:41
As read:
11:10
